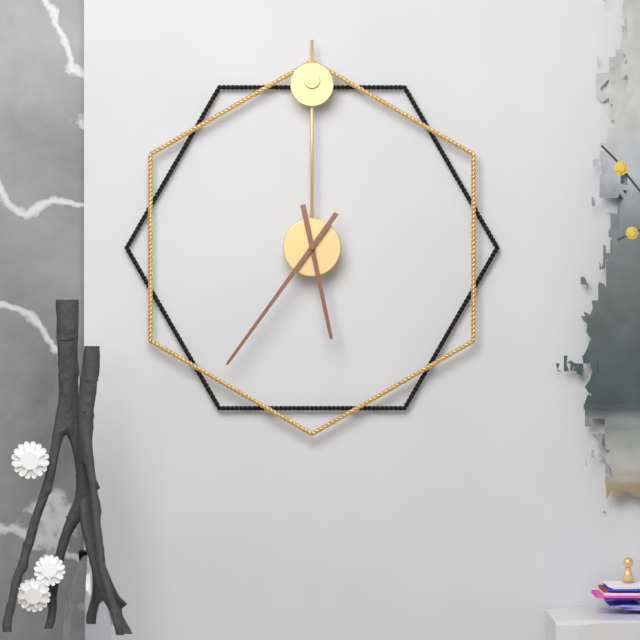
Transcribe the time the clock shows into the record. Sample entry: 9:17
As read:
5:36
